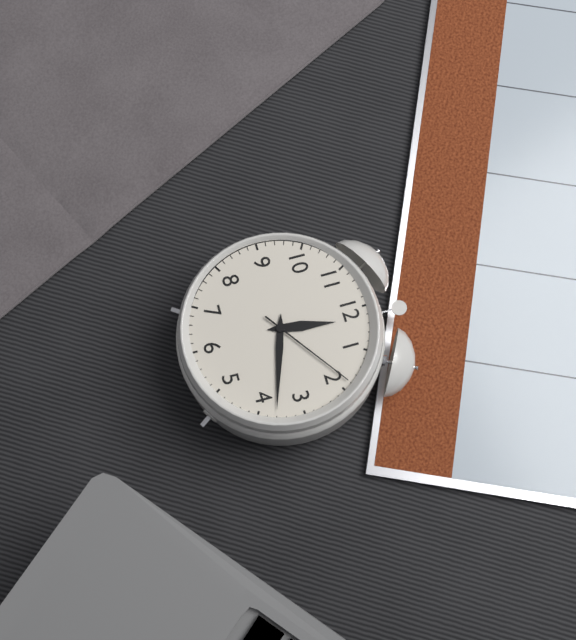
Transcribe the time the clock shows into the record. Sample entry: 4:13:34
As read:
12:18:09
